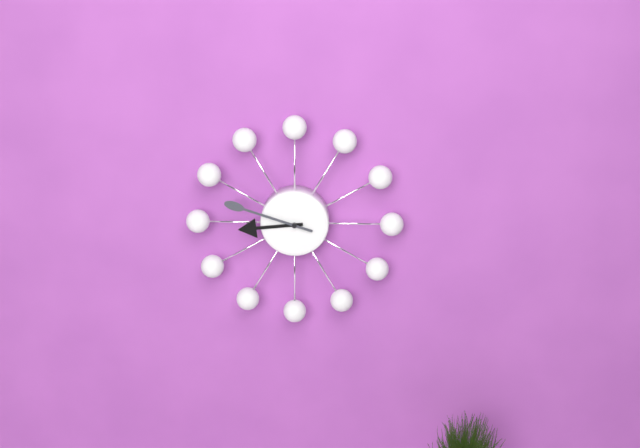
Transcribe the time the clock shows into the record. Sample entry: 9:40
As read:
8:48
